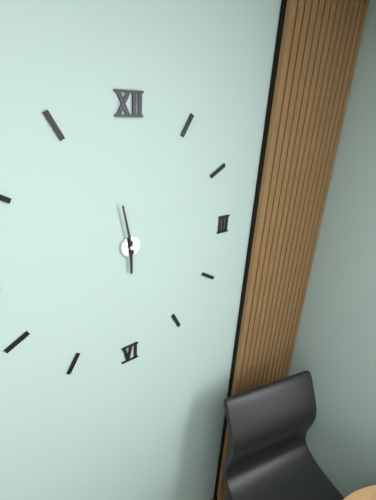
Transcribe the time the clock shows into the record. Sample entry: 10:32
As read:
5:58
